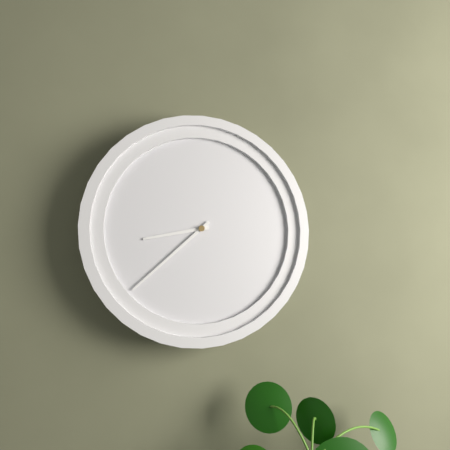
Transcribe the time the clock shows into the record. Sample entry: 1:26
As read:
8:38
